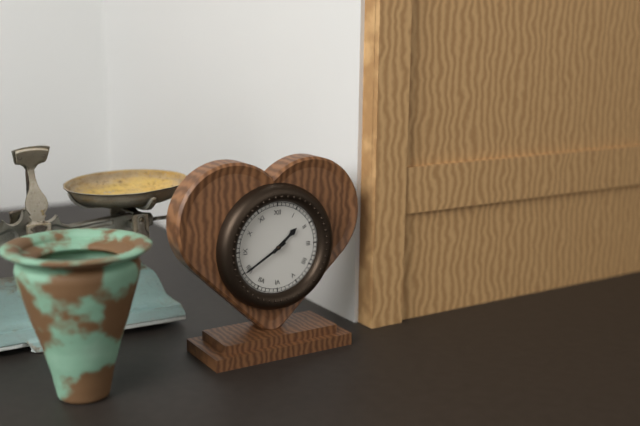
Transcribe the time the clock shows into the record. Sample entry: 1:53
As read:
1:40
